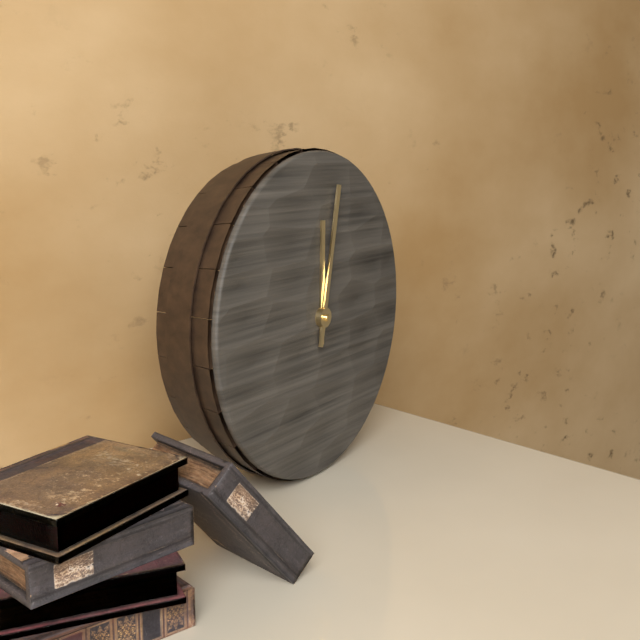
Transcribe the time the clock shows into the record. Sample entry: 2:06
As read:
12:02
